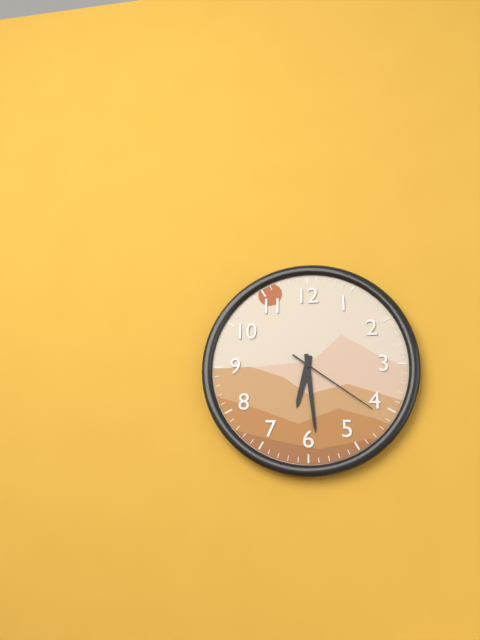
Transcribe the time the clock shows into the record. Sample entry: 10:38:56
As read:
6:29:21
